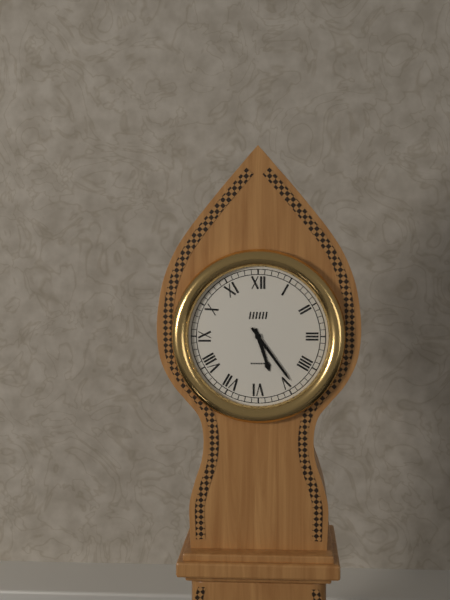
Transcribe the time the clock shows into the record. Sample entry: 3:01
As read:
5:24
